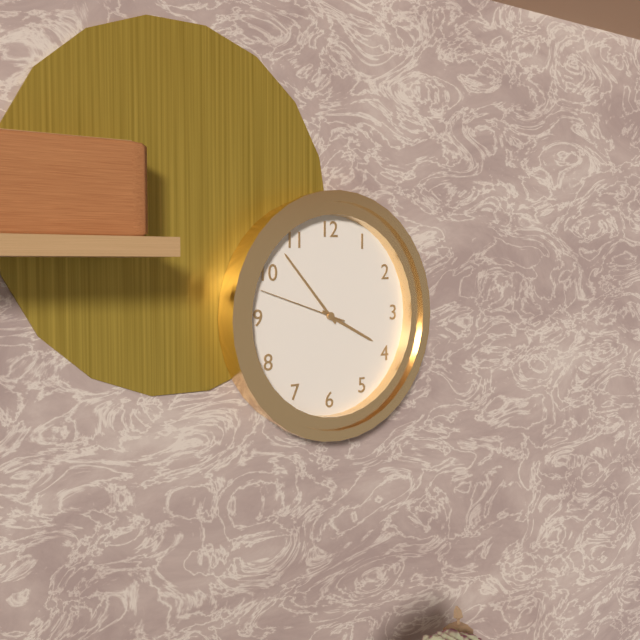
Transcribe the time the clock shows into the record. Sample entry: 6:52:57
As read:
3:53:48
